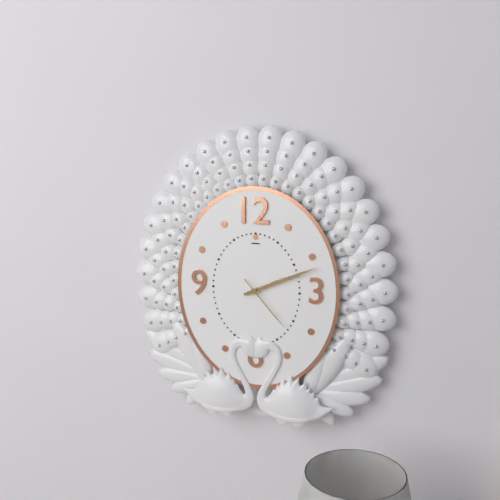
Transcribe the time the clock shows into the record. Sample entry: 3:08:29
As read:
2:11:23
